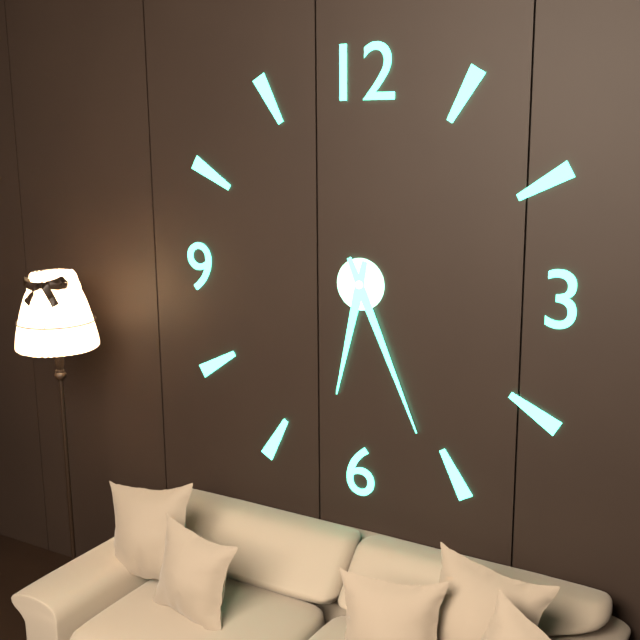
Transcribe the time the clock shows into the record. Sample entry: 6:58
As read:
6:26
